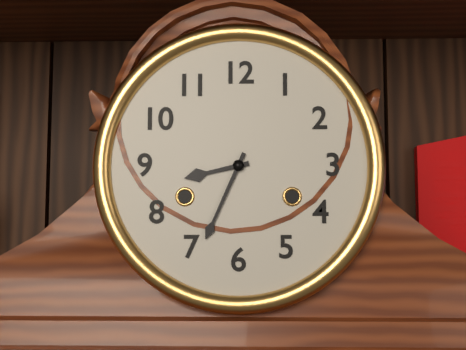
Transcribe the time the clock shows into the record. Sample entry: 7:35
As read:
8:34
